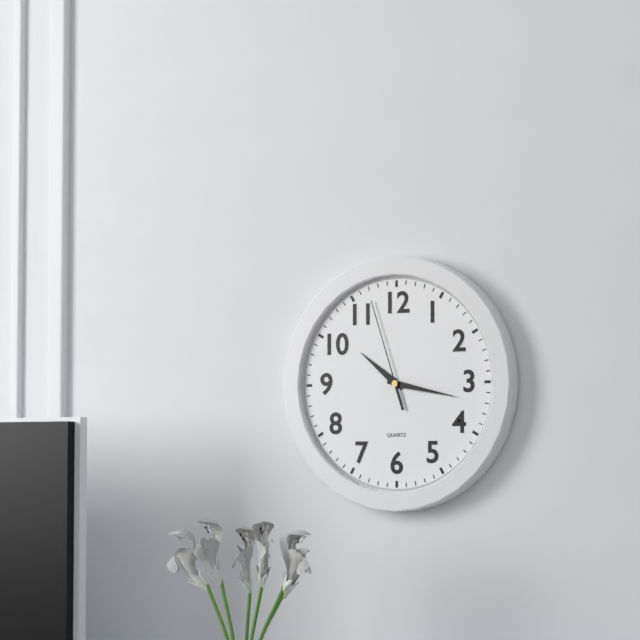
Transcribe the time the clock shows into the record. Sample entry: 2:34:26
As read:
10:17:57
